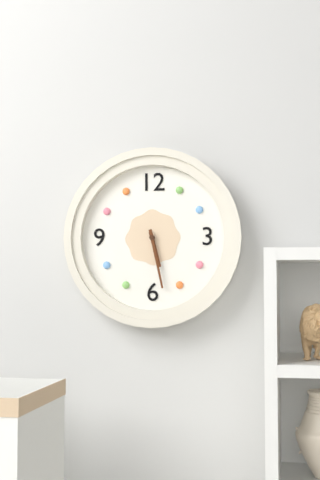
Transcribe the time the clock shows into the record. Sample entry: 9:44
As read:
5:28
